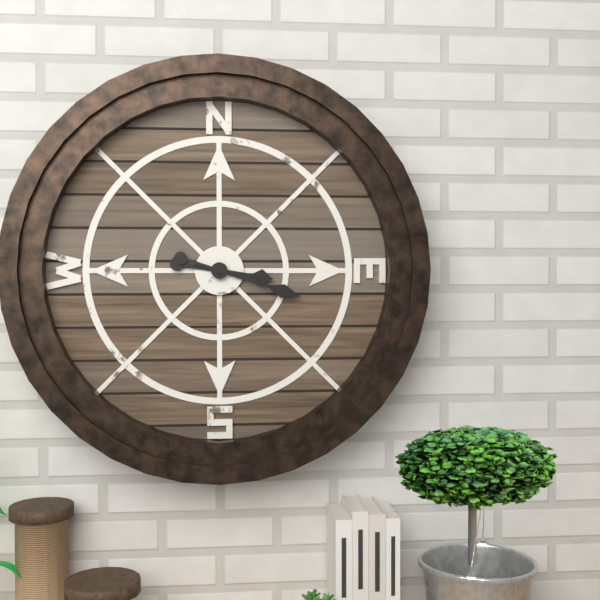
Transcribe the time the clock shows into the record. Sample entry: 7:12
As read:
3:18
